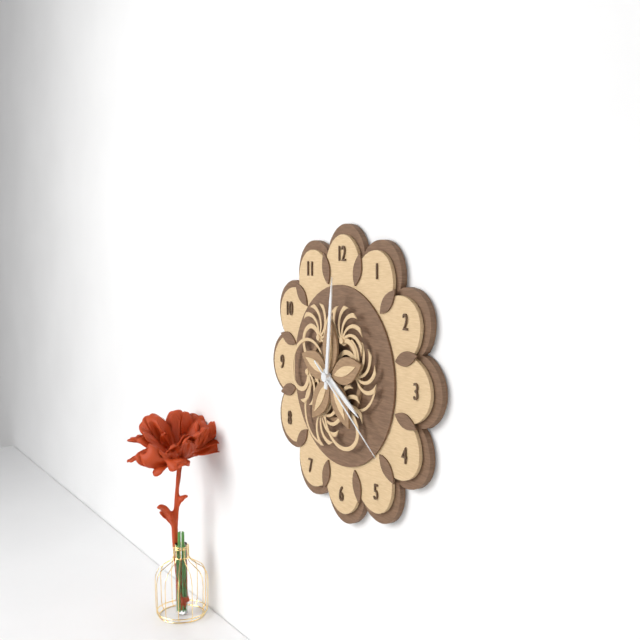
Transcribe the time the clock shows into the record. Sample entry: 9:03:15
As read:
4:01:21
